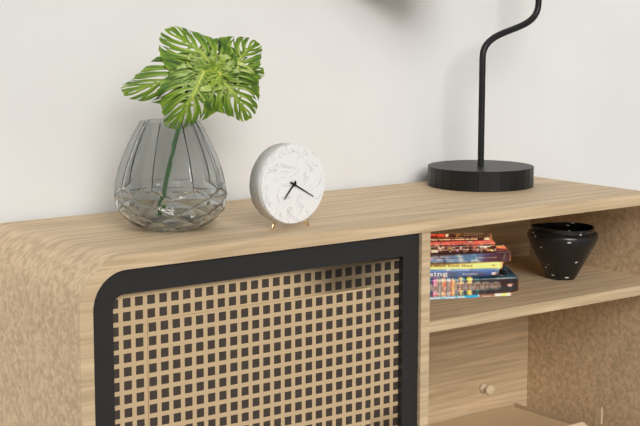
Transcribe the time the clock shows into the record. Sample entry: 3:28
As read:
7:20
